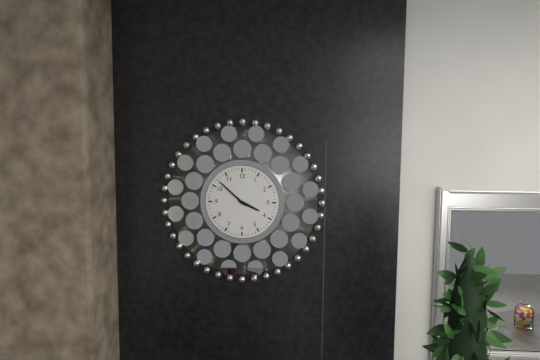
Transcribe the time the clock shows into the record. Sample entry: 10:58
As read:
3:52
